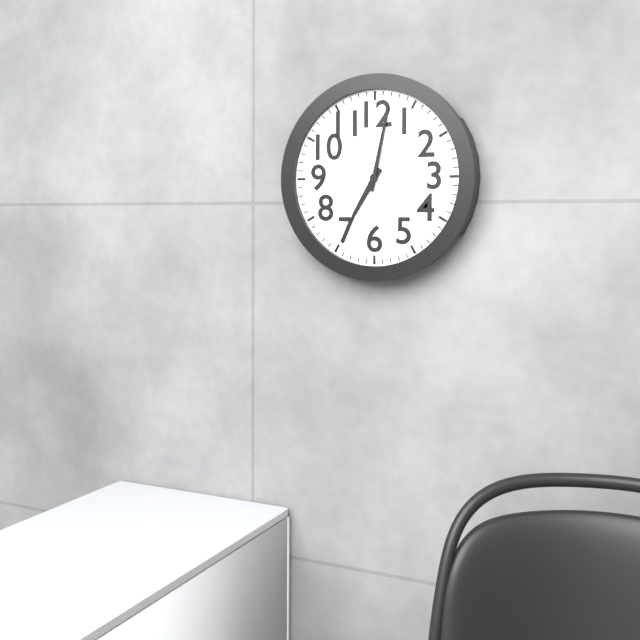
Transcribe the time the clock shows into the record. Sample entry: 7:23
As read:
7:02
